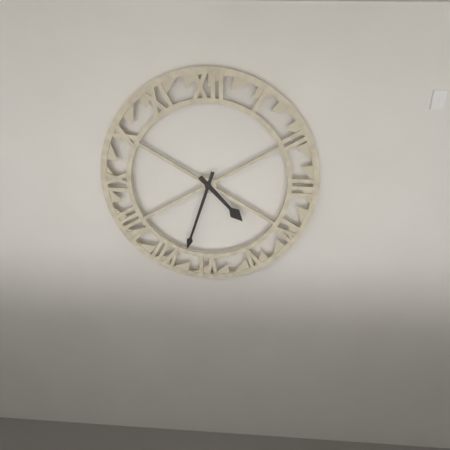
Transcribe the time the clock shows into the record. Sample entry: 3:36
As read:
4:33
